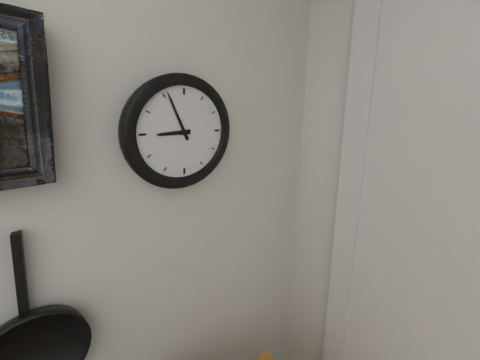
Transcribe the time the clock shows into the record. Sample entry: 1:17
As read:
8:56
